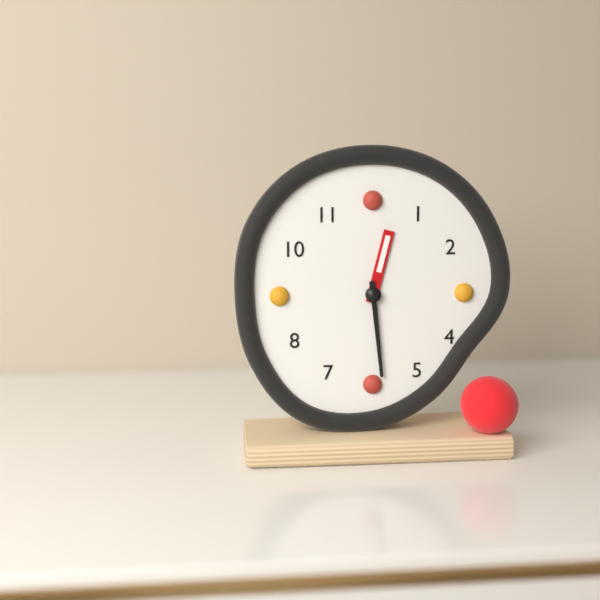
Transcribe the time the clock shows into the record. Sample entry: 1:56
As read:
12:29
